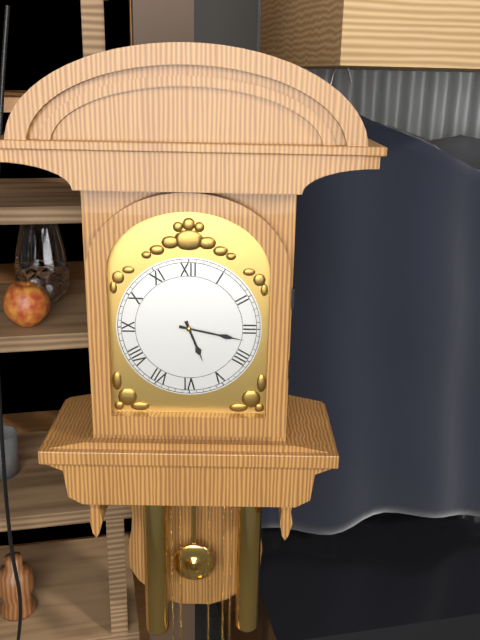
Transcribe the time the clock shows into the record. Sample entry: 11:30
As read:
5:17
